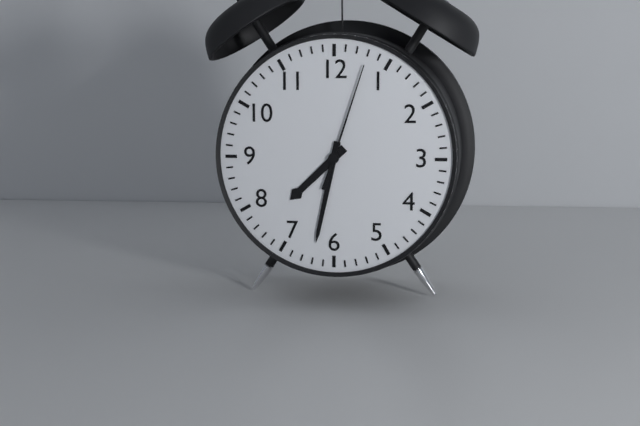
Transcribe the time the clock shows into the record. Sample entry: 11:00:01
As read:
7:32:03
